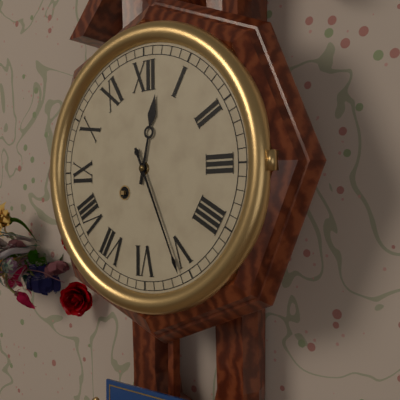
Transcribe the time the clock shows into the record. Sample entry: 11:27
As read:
12:26
